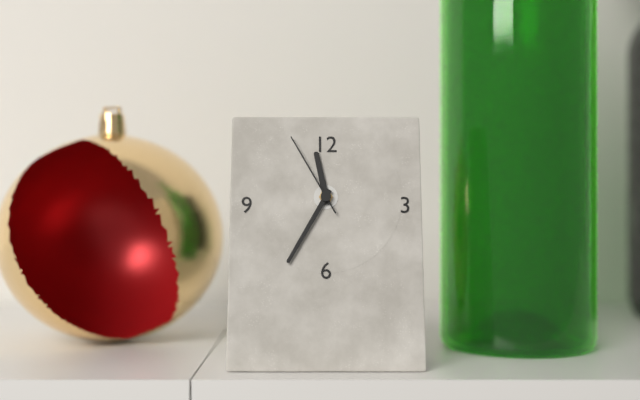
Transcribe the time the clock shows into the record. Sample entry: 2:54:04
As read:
11:35:55
